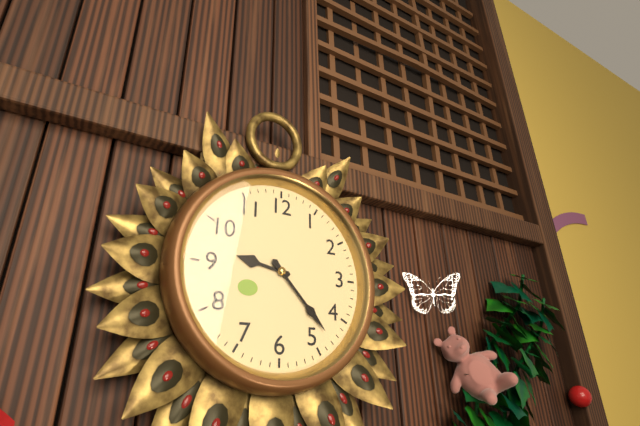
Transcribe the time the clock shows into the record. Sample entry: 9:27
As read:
9:23
